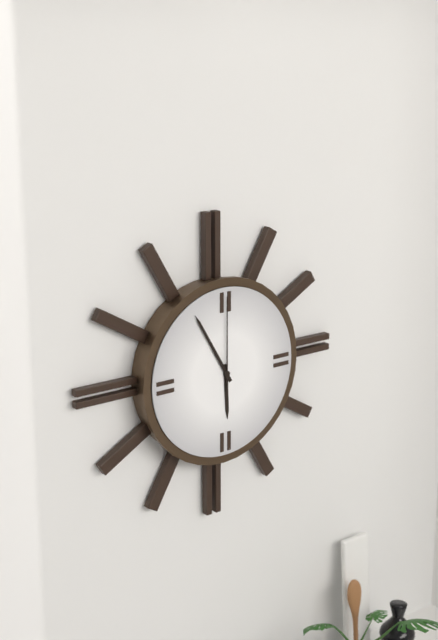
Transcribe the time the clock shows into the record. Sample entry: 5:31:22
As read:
5:55:00
